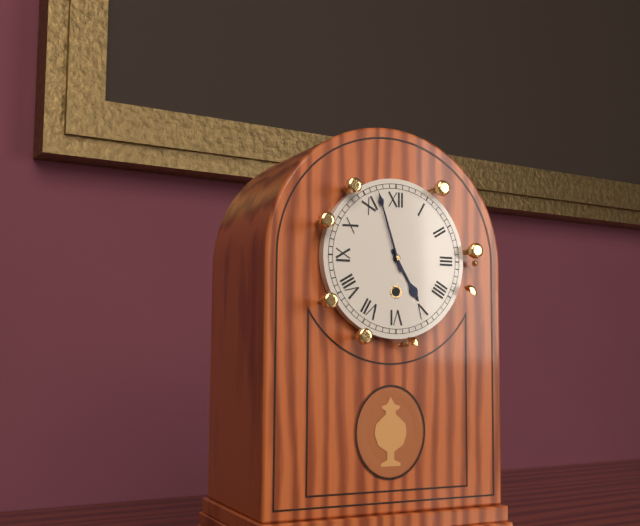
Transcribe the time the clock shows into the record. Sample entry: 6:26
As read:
4:57
